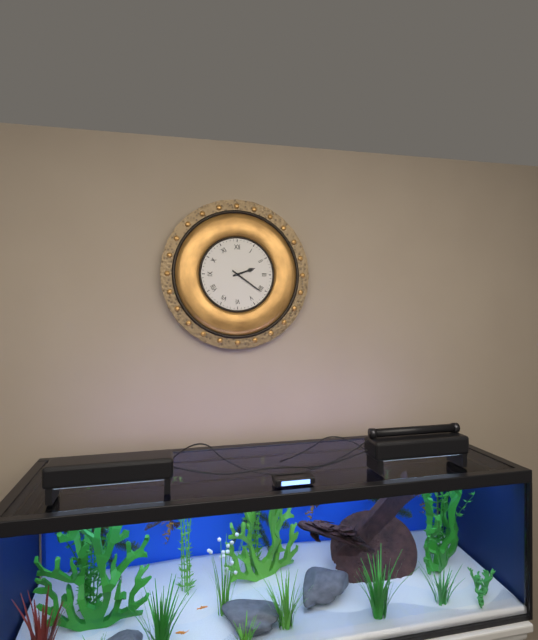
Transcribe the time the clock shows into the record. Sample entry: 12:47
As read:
2:21
